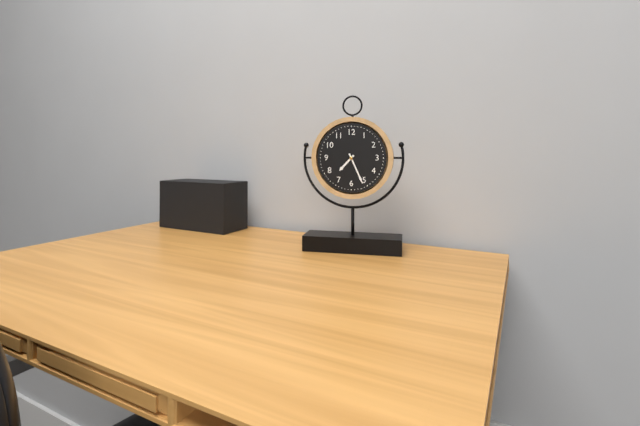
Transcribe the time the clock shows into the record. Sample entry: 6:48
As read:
7:26
